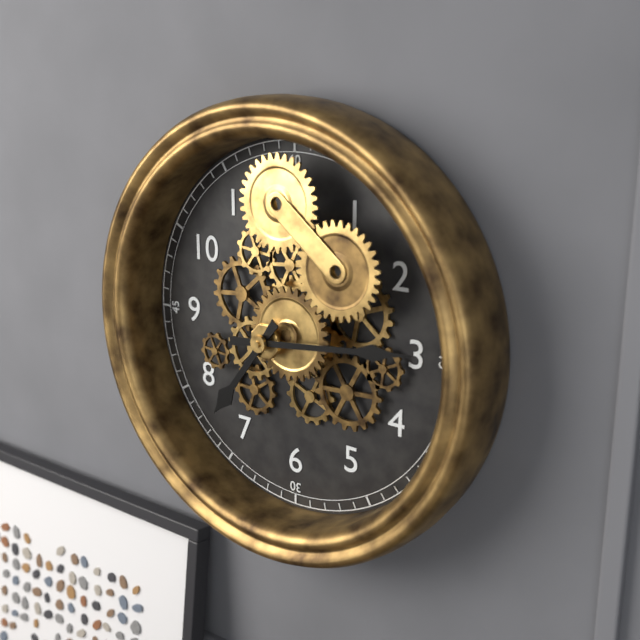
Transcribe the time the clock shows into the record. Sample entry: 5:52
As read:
7:14
